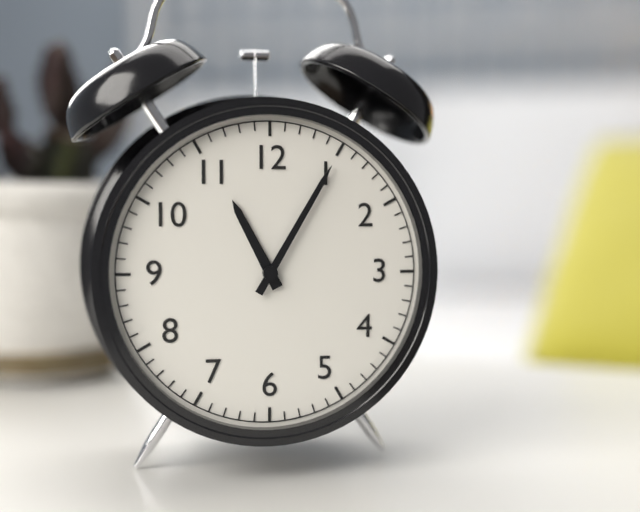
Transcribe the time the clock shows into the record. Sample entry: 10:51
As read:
11:05
